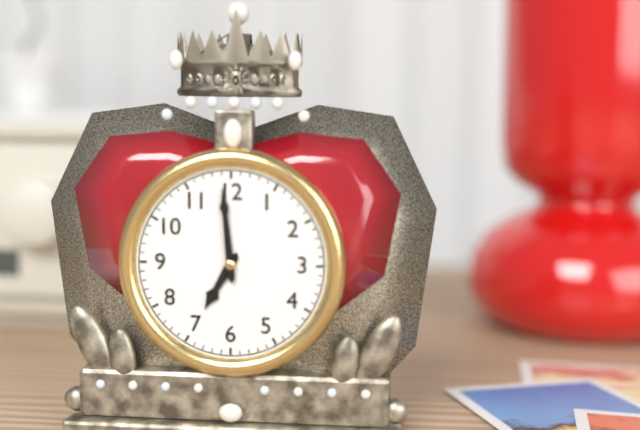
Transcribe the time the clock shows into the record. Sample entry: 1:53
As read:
6:59
